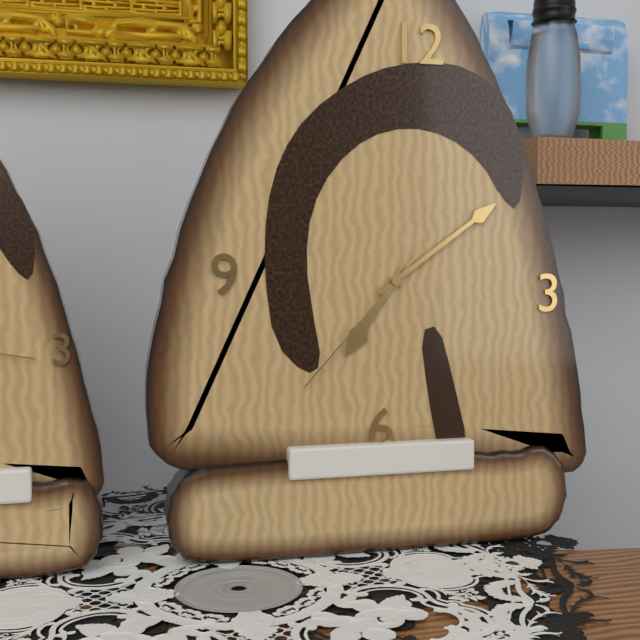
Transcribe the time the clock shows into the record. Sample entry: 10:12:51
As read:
7:09:37
